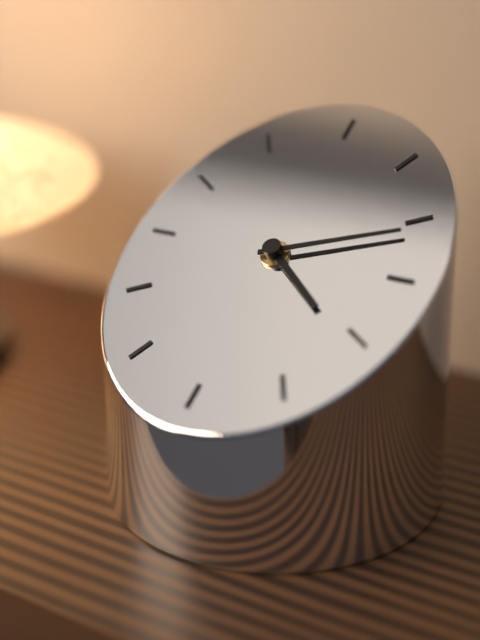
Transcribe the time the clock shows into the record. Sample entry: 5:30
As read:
4:11
